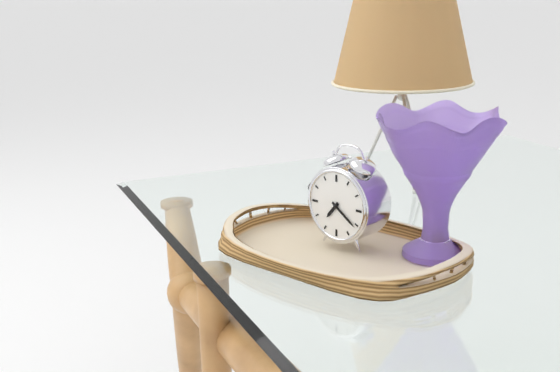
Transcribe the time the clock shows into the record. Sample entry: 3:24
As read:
7:21
